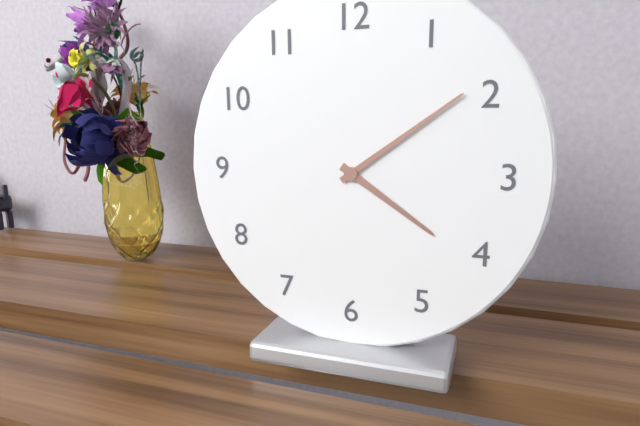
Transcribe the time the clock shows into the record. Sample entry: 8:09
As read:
4:09
